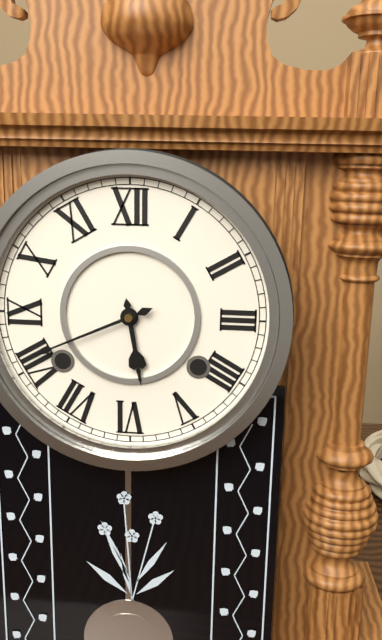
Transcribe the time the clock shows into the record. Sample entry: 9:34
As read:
5:41
